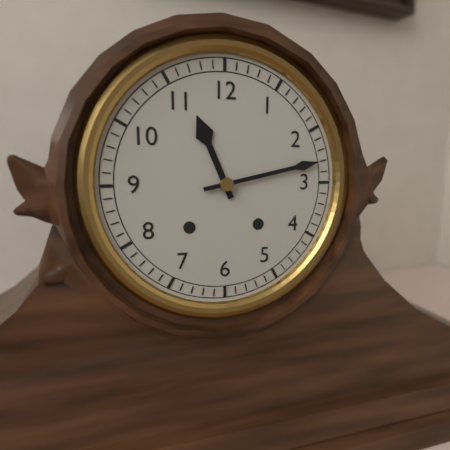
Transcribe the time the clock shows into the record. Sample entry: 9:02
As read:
11:13
